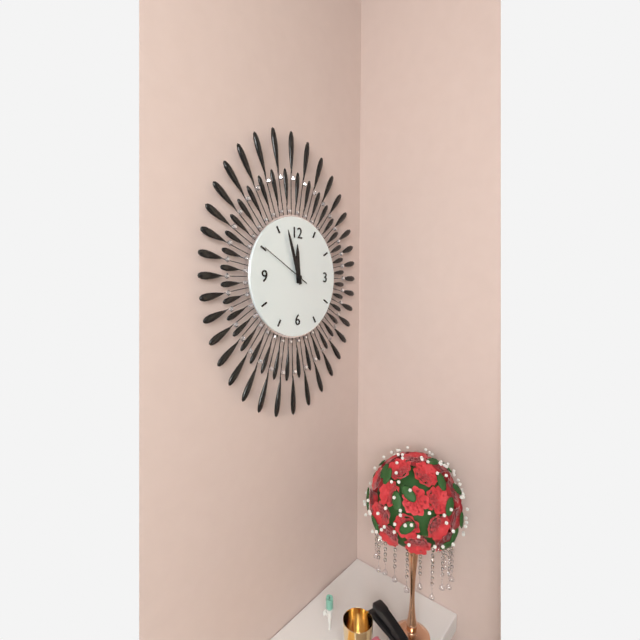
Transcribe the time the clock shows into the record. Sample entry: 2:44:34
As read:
11:57:50
